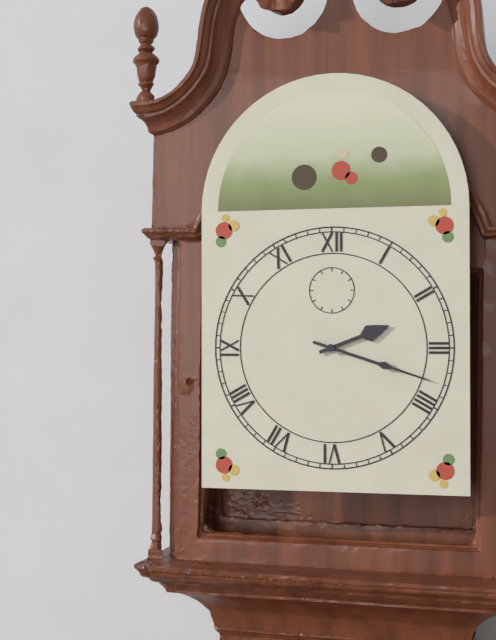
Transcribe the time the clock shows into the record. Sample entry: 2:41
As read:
2:18
